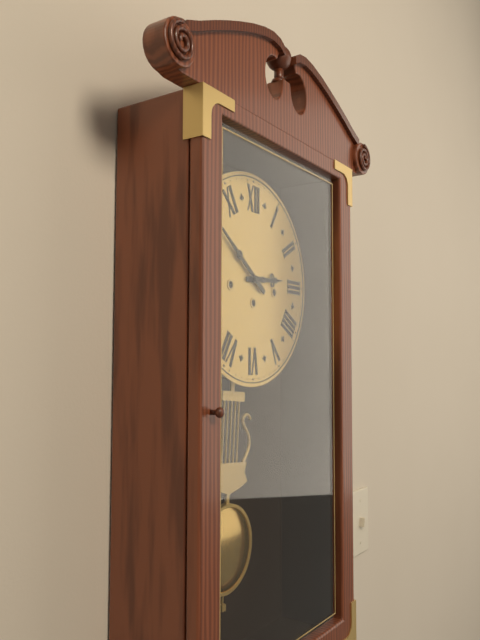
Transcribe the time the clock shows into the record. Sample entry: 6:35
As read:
2:51
